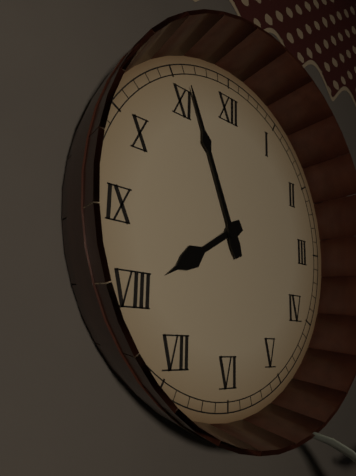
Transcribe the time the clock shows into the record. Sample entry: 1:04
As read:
7:56
